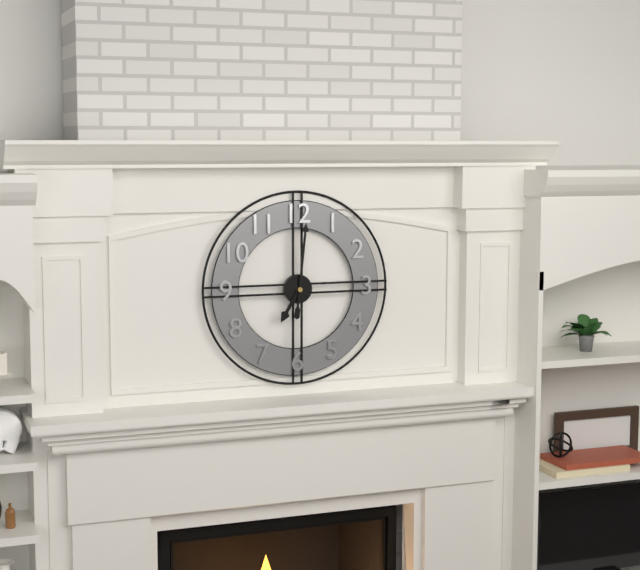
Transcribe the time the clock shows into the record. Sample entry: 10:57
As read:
7:01
